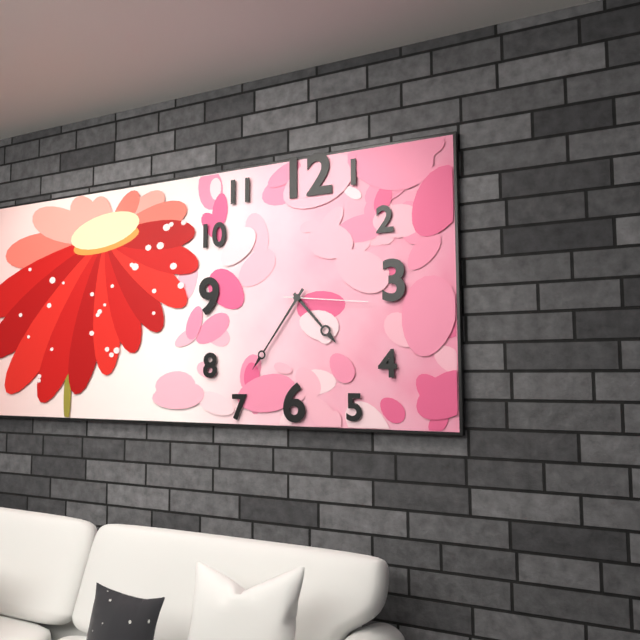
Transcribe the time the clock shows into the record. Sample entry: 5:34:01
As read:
4:36:16
